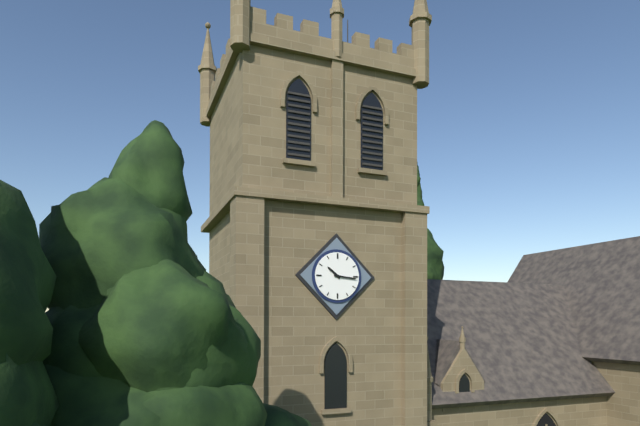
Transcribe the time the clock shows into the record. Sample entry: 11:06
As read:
10:16
